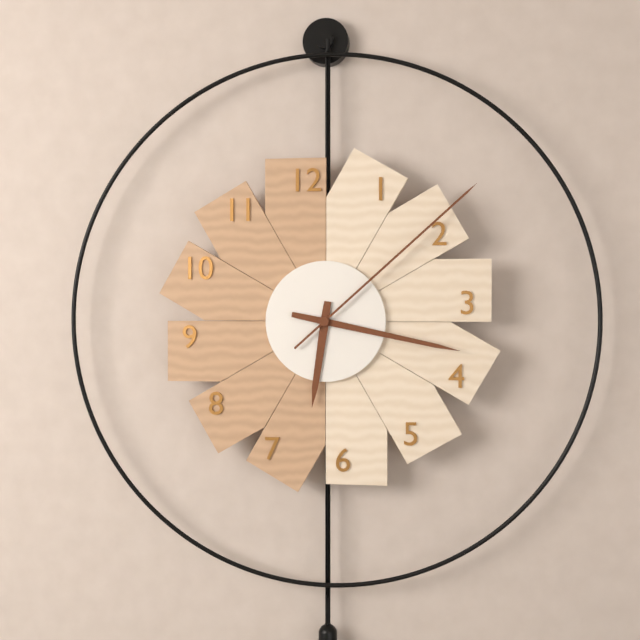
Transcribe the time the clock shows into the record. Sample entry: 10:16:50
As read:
6:17:08
